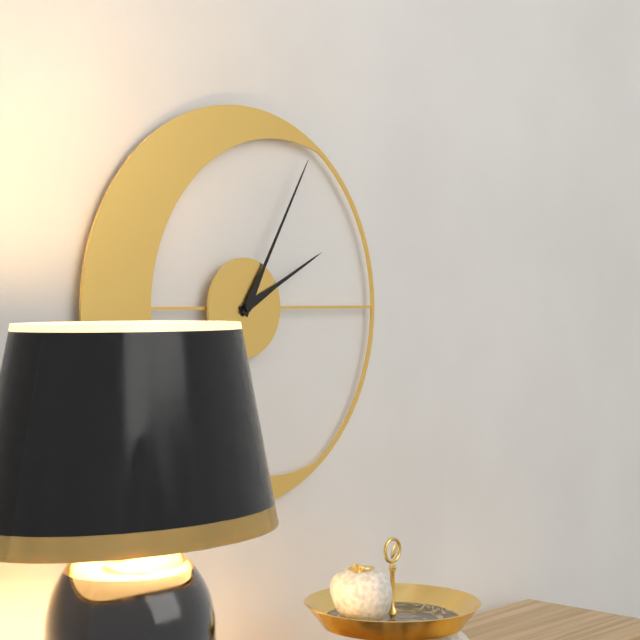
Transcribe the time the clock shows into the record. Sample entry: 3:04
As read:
2:05
